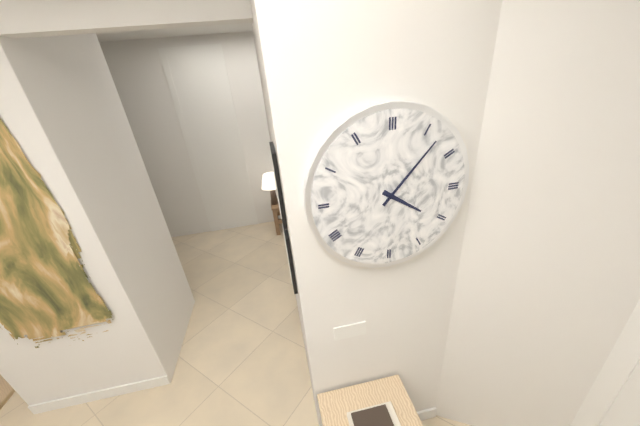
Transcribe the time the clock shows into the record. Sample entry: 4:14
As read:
4:07
